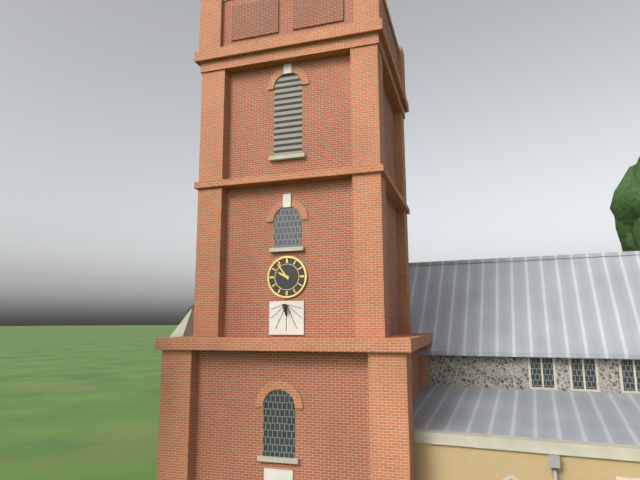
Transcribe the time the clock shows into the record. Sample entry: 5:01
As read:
9:54
